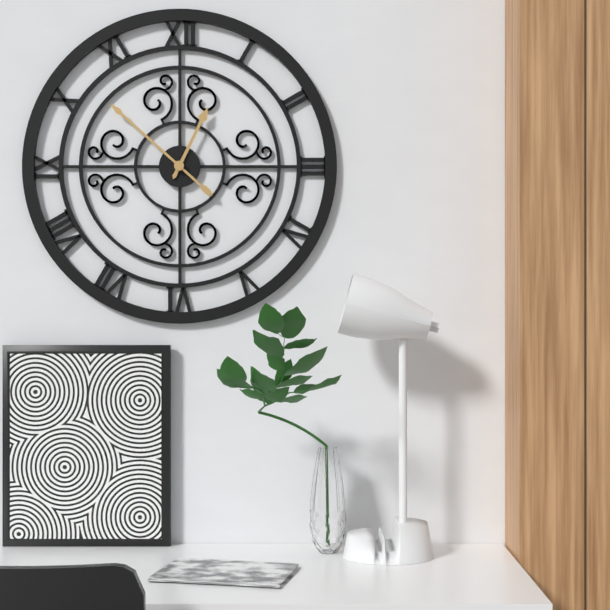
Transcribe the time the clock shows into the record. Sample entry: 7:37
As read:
12:52
